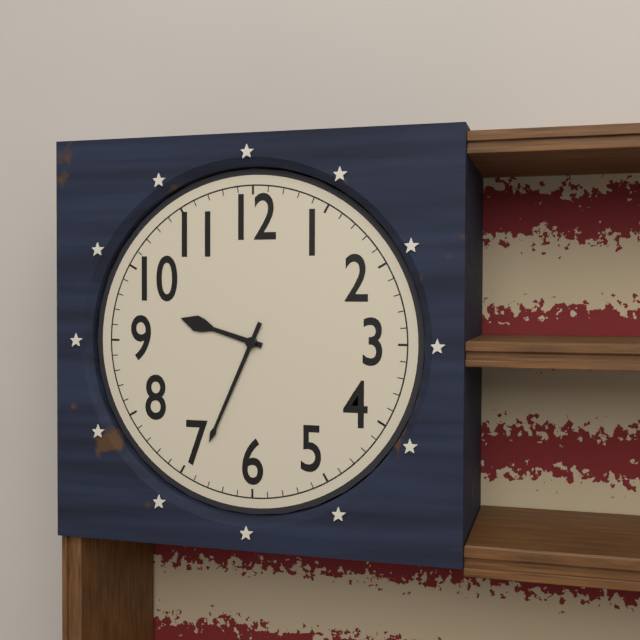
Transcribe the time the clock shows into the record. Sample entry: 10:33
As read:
9:34
